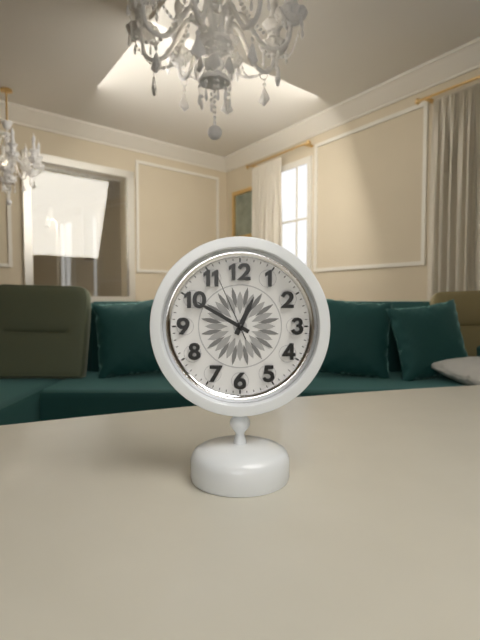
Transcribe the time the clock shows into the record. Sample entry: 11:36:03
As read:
12:50:56
